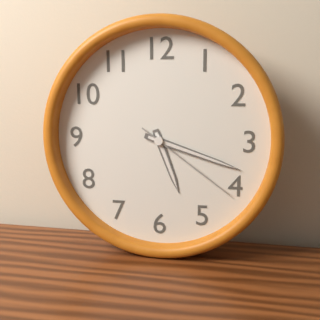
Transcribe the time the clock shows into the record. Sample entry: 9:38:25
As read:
5:18:21
